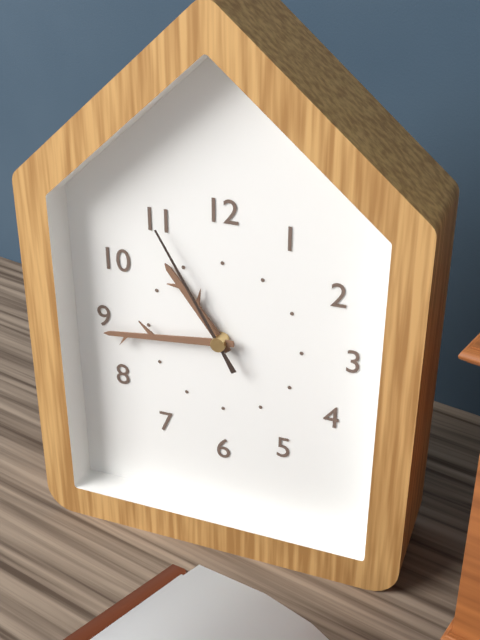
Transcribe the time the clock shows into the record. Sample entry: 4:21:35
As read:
10:44:55
